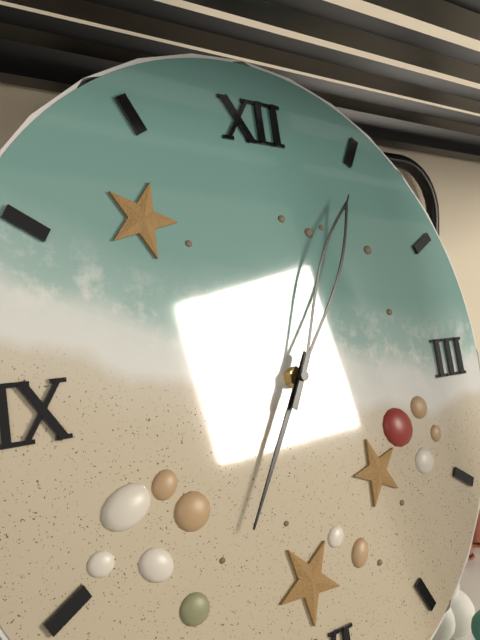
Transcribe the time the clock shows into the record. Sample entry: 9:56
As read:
7:05
